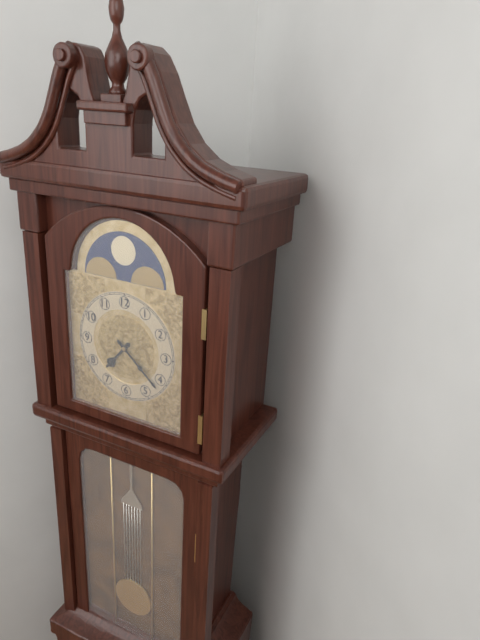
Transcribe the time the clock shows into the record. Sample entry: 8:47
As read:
7:22
